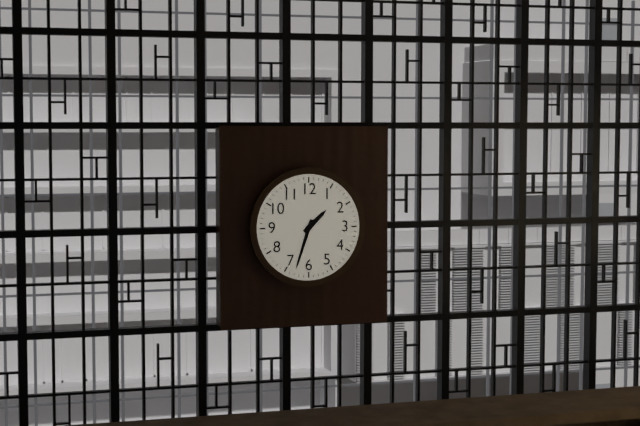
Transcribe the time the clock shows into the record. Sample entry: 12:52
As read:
1:33
